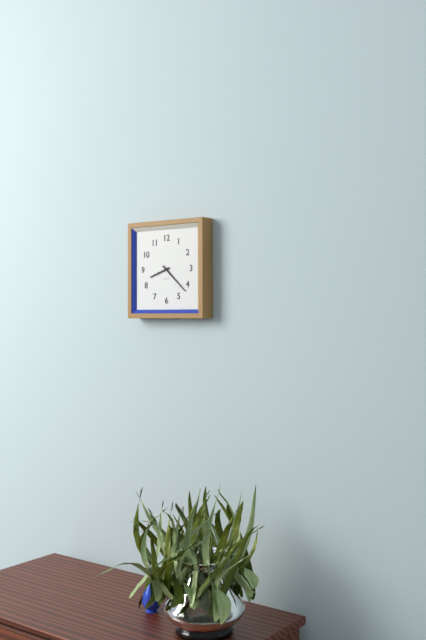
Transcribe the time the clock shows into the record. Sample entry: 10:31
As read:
8:22
